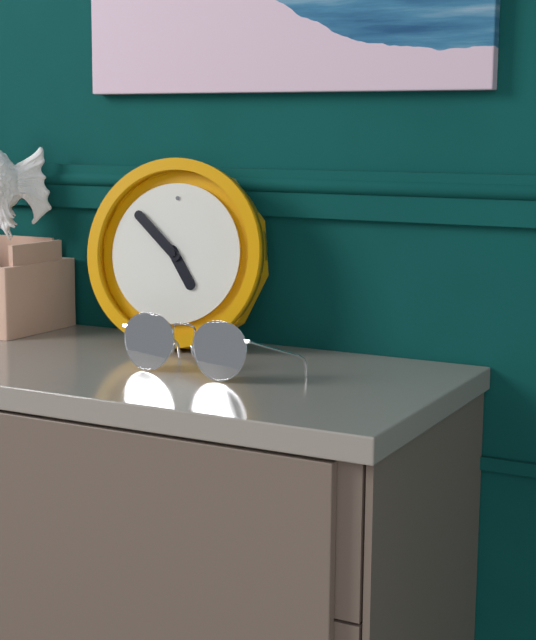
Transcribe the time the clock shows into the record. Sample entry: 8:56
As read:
4:52
